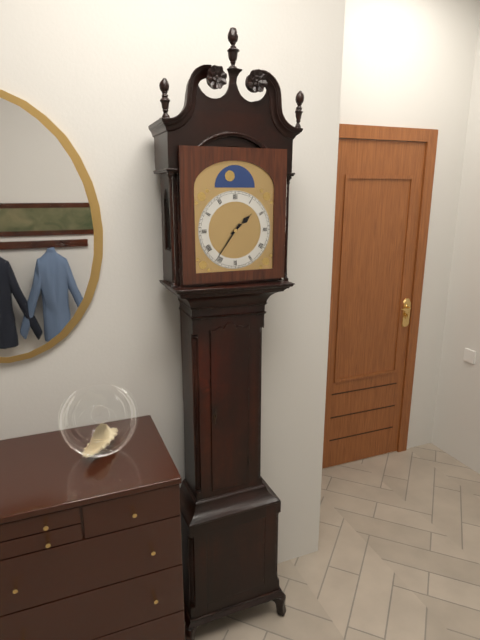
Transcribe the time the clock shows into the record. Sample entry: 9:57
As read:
1:36
